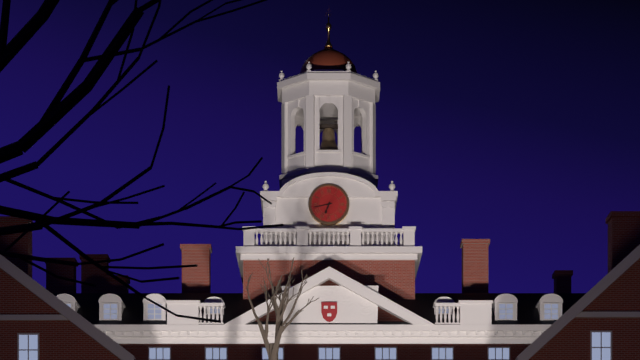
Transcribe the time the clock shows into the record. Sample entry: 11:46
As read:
6:43
